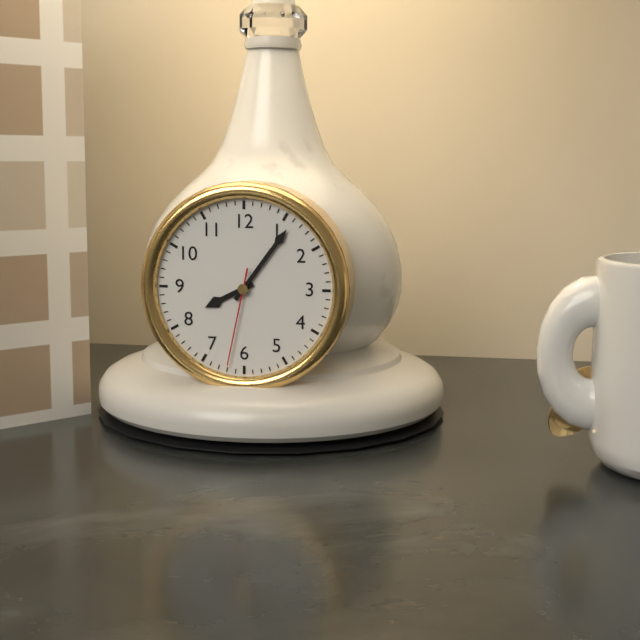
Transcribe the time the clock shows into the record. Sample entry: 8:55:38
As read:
8:06:32
